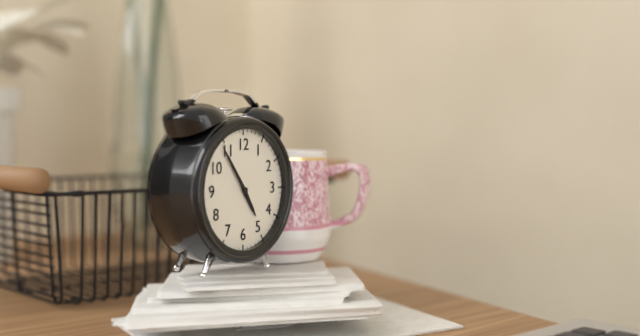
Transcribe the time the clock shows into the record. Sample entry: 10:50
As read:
4:54
